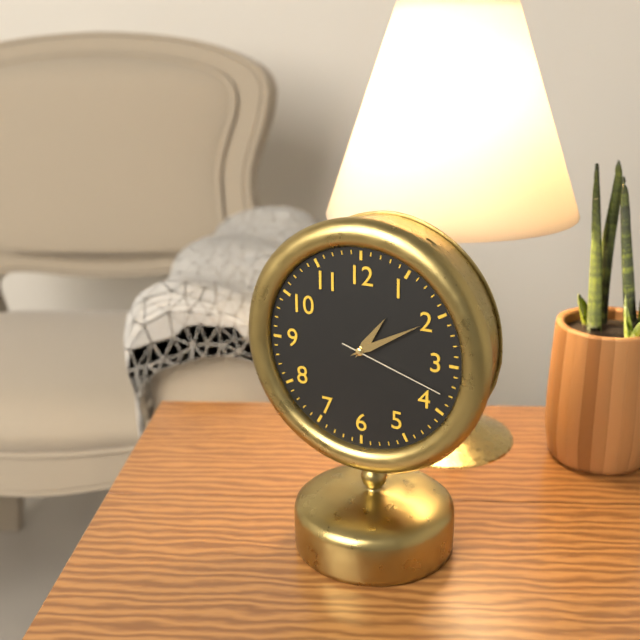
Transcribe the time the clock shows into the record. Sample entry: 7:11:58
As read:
1:10:18
